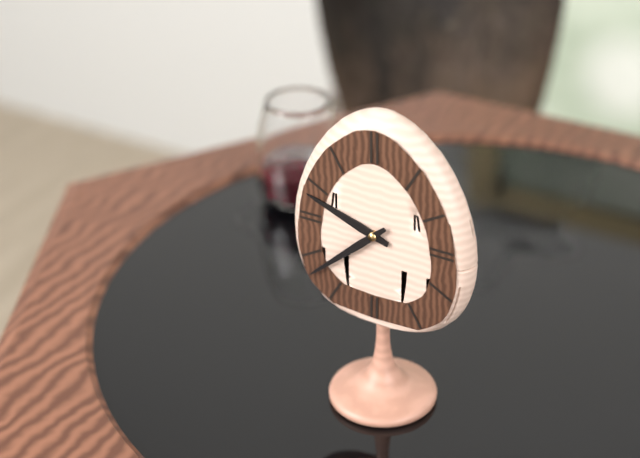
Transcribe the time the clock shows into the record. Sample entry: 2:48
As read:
9:38
